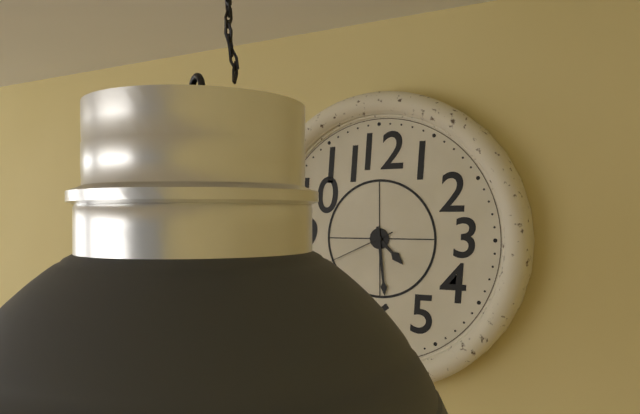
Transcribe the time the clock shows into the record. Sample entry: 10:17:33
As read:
4:29:41
